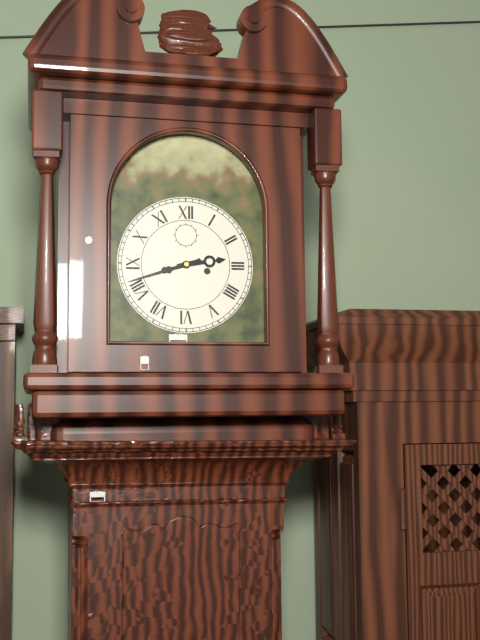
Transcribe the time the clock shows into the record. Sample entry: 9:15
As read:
2:42
